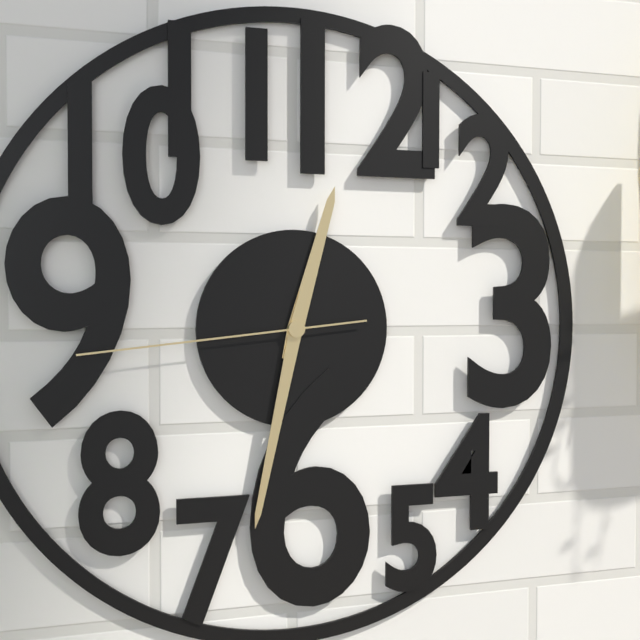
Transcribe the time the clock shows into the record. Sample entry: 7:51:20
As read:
12:32:44
